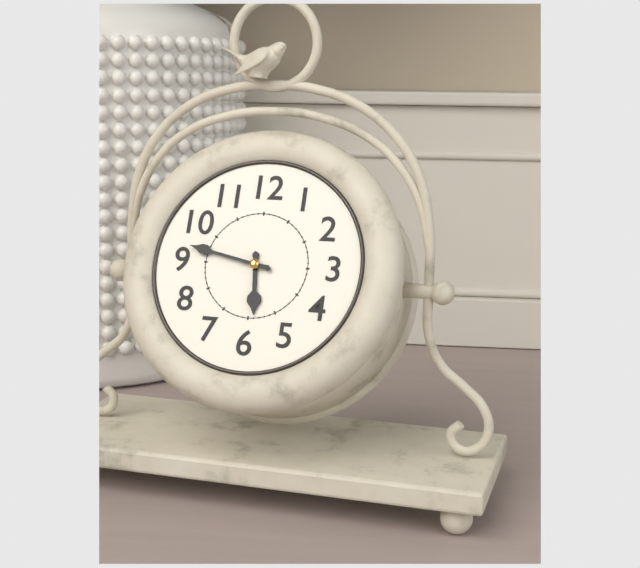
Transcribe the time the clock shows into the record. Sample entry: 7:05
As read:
5:47
